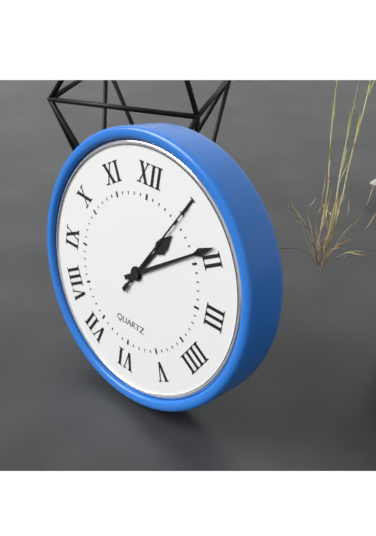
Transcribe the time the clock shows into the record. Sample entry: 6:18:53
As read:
1:09:05
